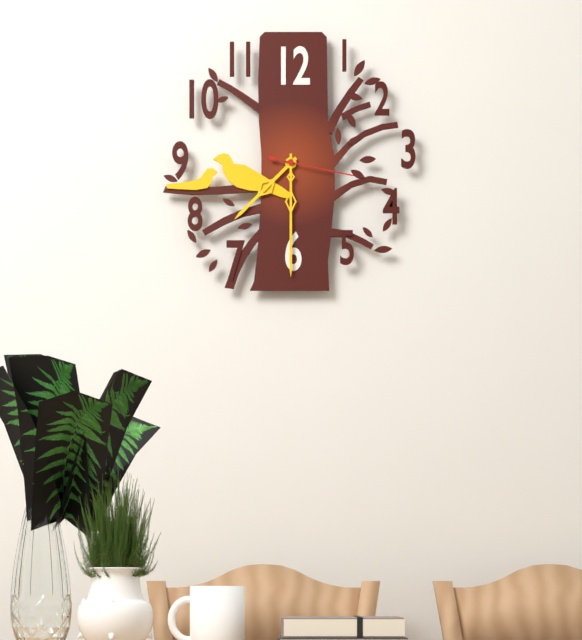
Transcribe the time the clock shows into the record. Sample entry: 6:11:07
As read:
7:30:17
